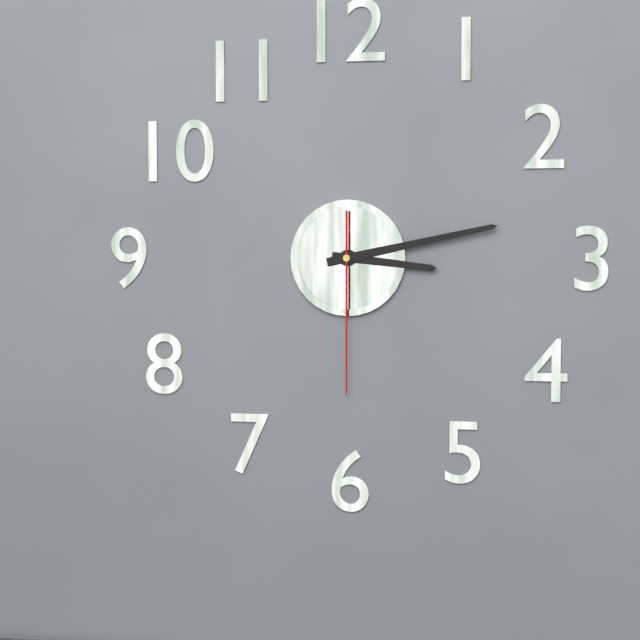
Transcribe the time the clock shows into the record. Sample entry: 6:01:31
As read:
3:13:30
